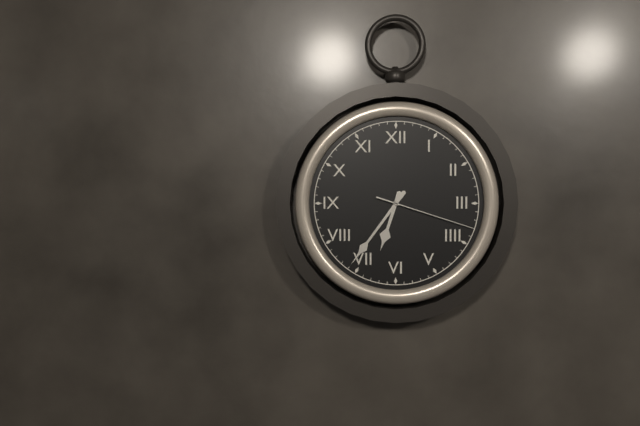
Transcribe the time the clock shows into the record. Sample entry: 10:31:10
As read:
6:36:18
